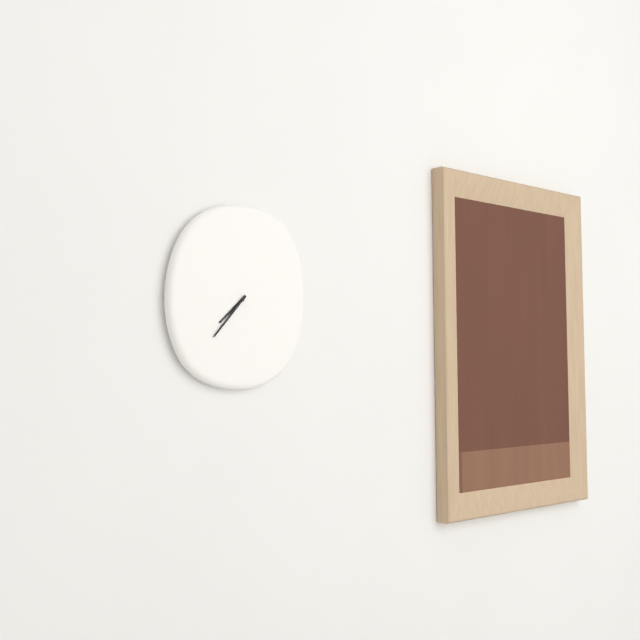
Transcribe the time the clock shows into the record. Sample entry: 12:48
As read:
7:37
